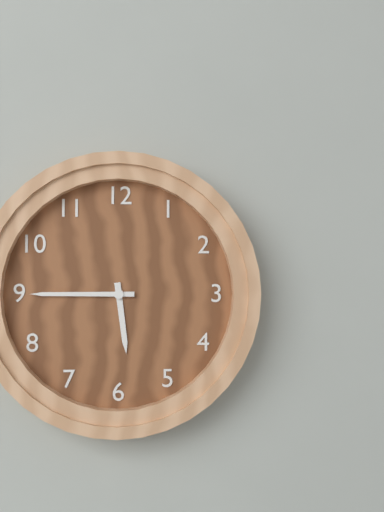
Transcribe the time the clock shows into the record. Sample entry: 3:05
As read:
5:45
